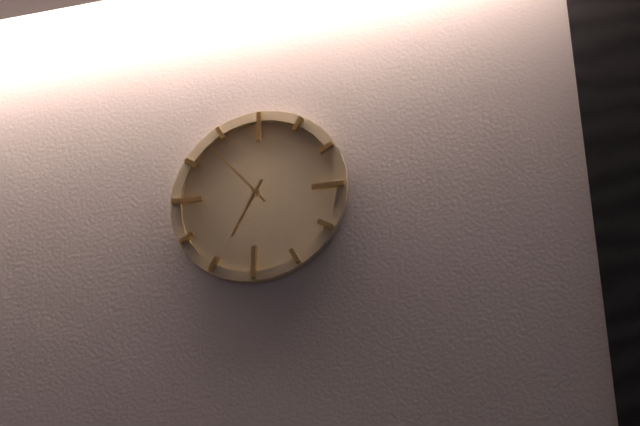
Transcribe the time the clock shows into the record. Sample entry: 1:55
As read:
6:53
